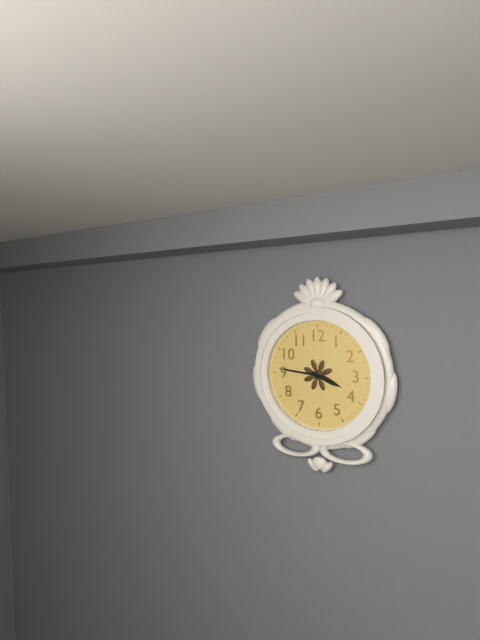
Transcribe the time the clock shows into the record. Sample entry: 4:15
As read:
3:46
